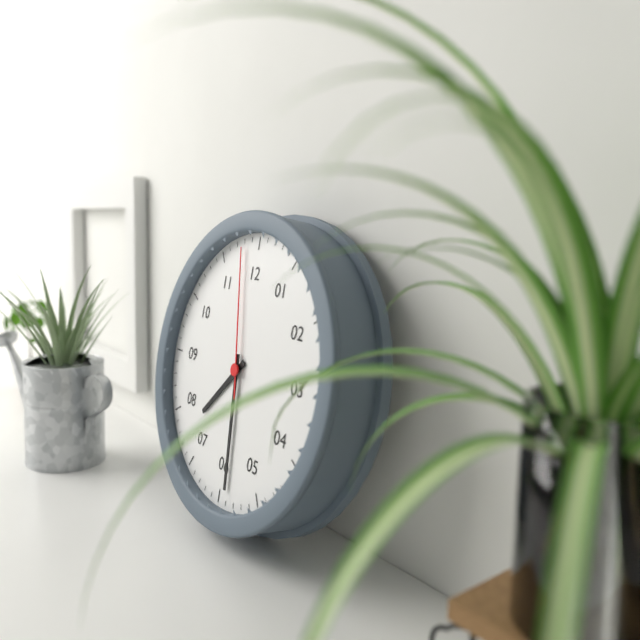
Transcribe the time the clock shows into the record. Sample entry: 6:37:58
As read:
7:29:58
